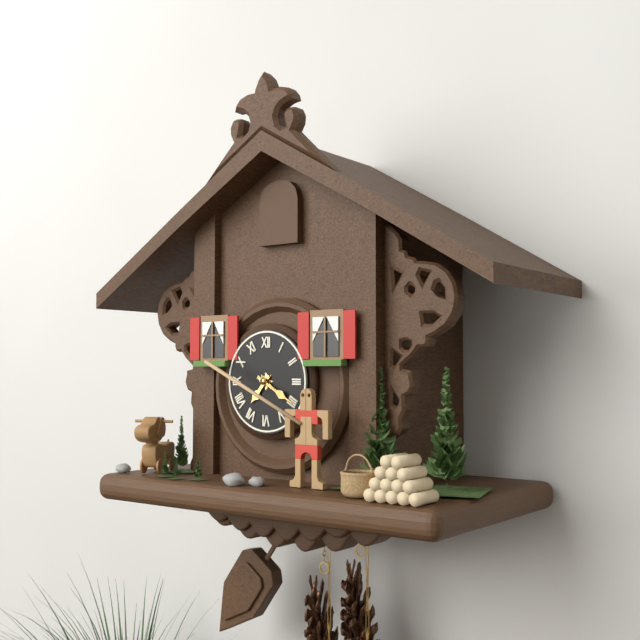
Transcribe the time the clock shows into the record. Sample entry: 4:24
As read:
7:20
